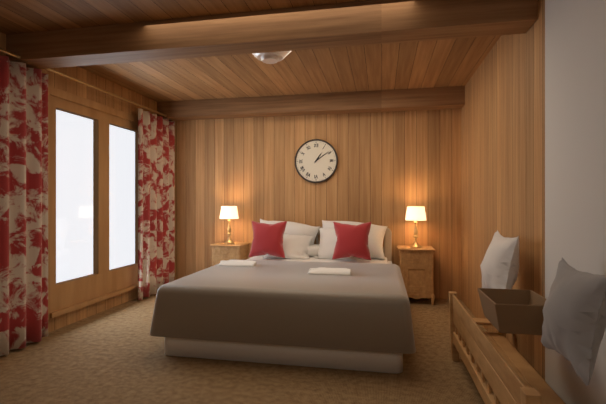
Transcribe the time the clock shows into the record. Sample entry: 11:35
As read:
1:09
